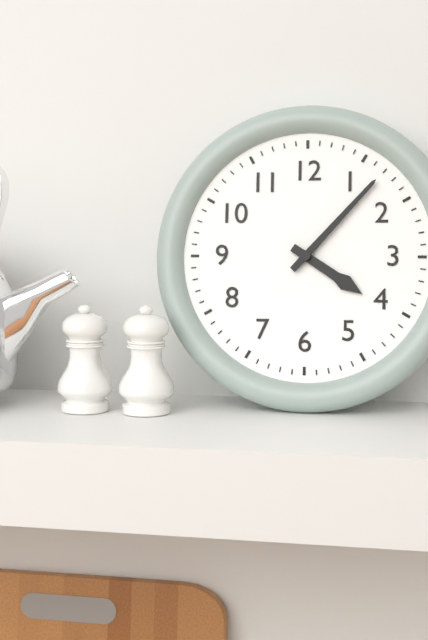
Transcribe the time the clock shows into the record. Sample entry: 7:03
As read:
4:07
